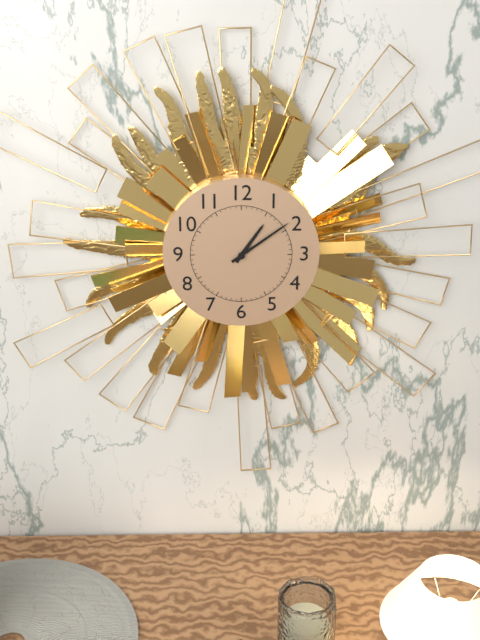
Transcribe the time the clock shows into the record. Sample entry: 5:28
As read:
1:09
